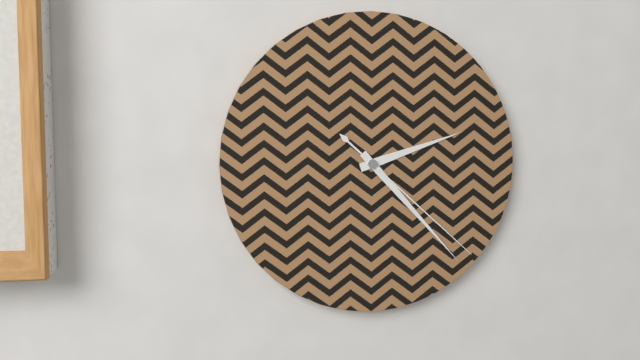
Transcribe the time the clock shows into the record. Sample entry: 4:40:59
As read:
2:23:22
